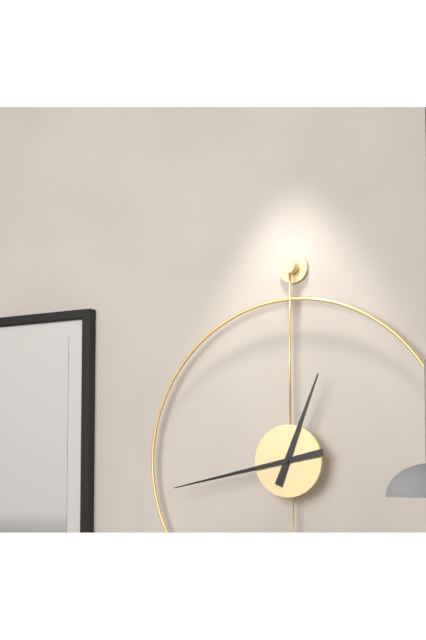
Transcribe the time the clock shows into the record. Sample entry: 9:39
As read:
12:43
